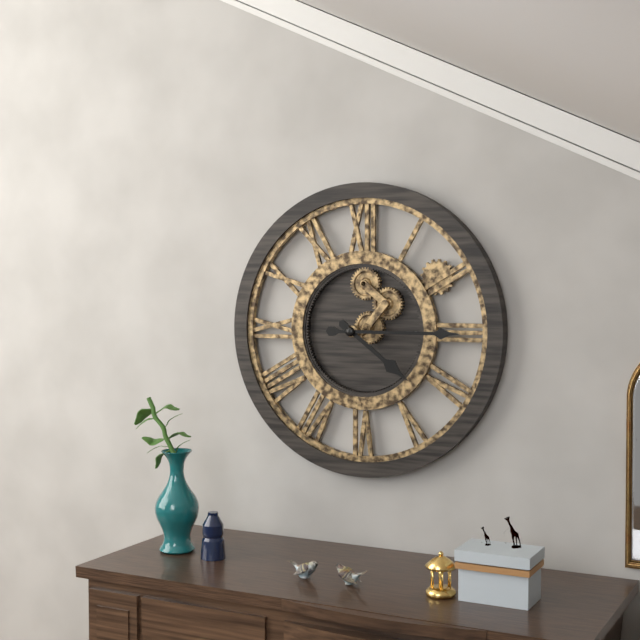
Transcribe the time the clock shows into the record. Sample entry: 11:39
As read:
4:15
